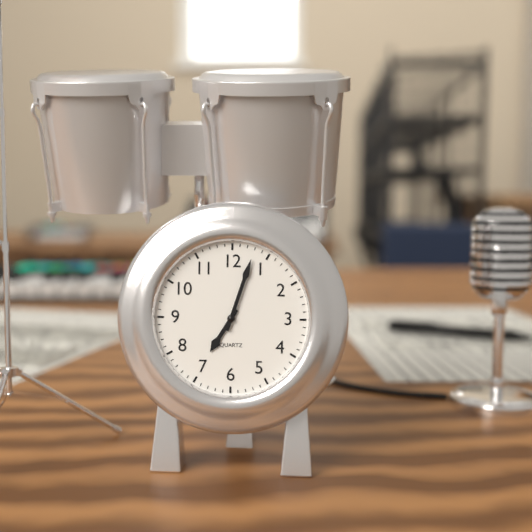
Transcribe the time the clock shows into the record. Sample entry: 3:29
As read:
7:03
